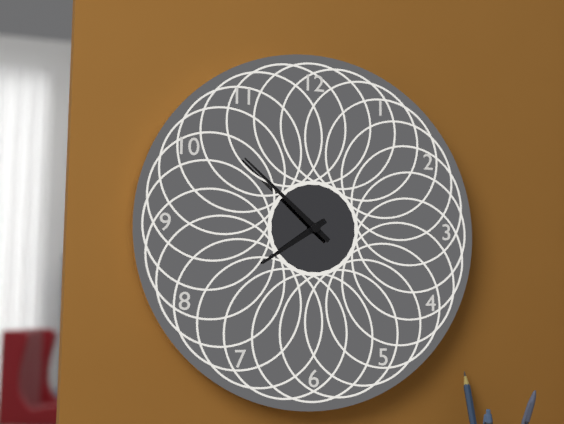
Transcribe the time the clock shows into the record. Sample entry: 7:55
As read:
7:52
